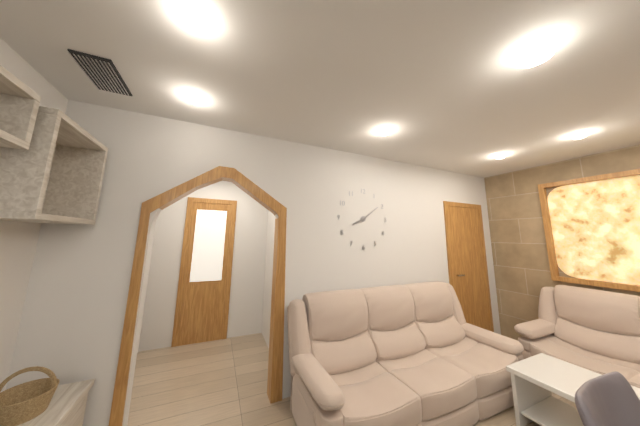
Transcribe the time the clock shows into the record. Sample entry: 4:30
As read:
8:09
